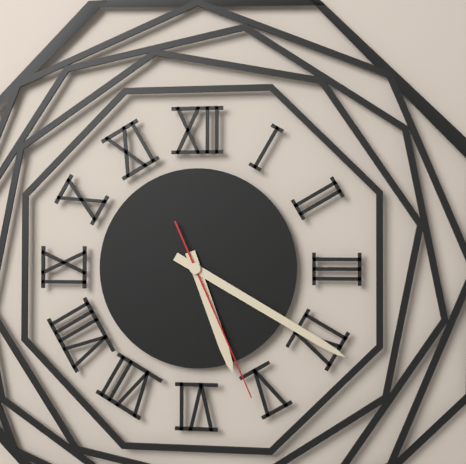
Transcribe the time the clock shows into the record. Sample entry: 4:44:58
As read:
5:20:26
